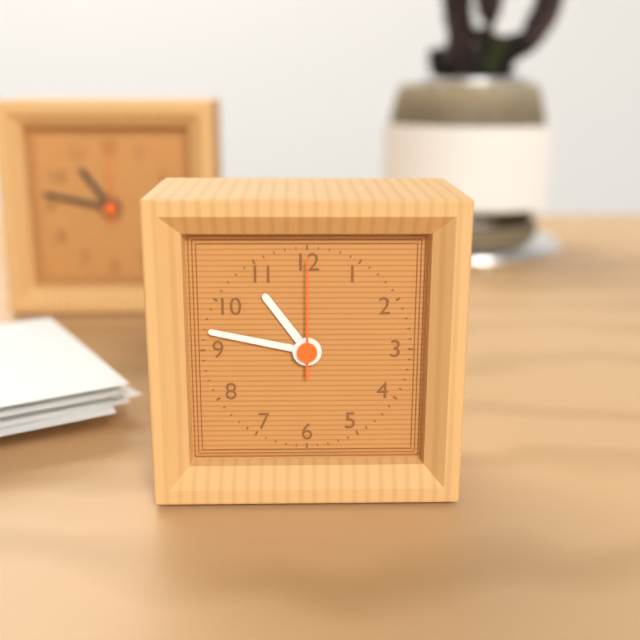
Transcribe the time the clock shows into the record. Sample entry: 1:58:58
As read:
10:47:00
